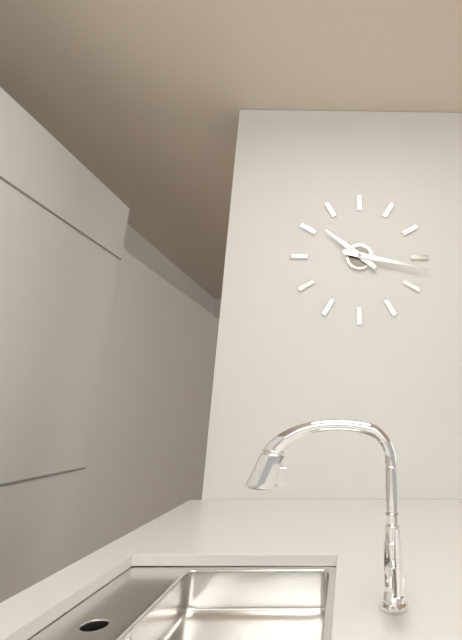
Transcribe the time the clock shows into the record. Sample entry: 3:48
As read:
10:17
